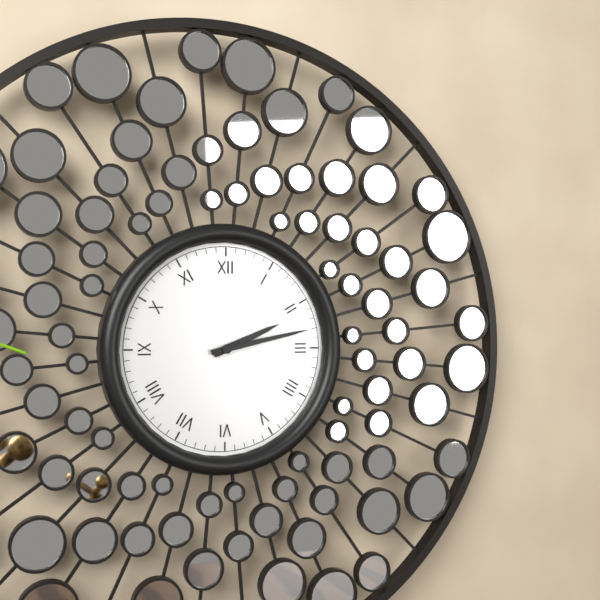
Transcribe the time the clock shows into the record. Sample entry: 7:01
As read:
2:13
